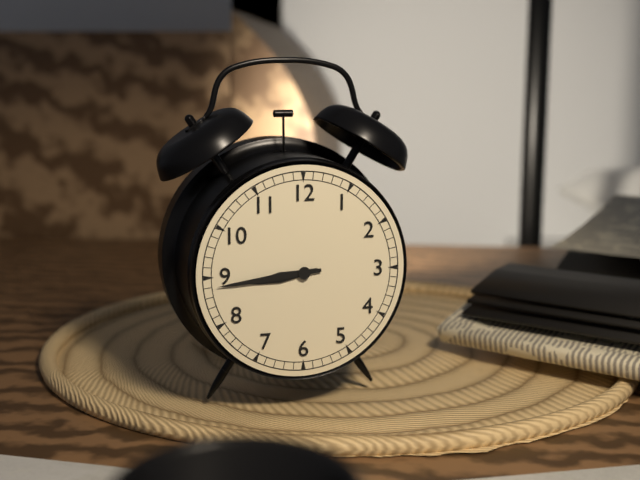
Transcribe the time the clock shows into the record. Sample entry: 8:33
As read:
8:44
